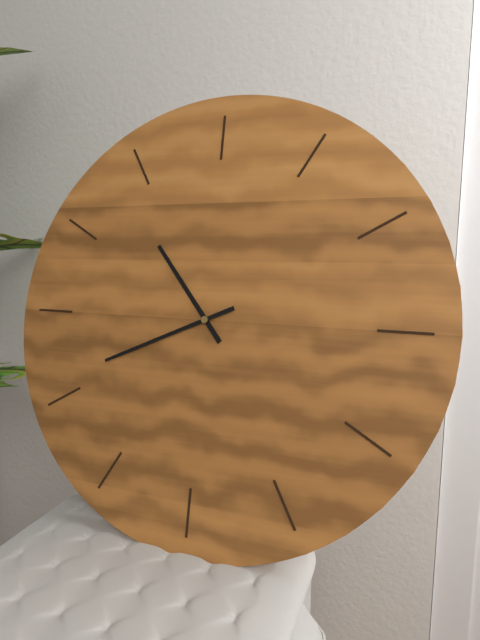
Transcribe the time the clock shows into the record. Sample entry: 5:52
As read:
10:41
